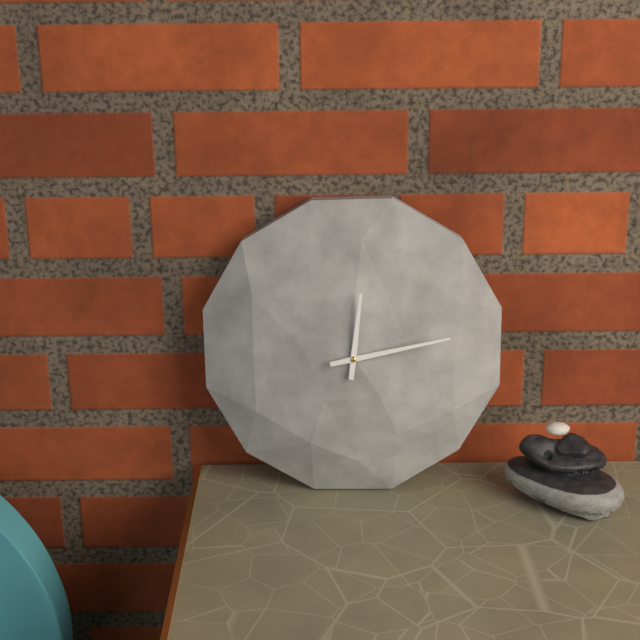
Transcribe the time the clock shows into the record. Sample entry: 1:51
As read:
12:13
